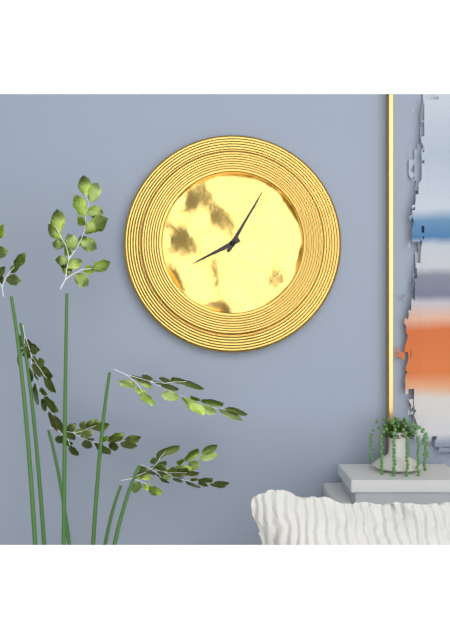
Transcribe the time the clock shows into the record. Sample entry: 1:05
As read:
8:05
